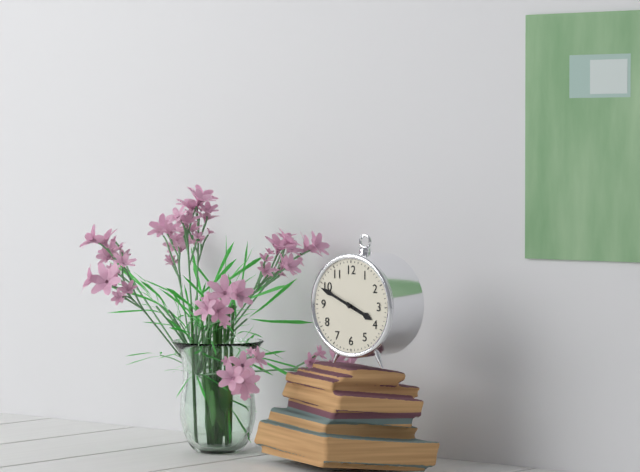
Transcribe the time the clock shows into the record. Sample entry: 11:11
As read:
3:49
